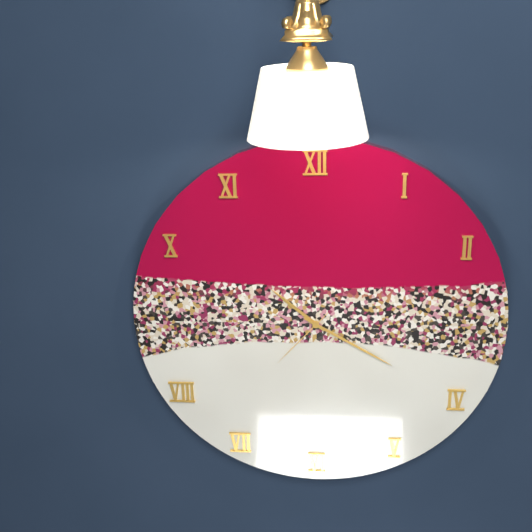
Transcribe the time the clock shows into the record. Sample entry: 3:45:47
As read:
10:20:37
